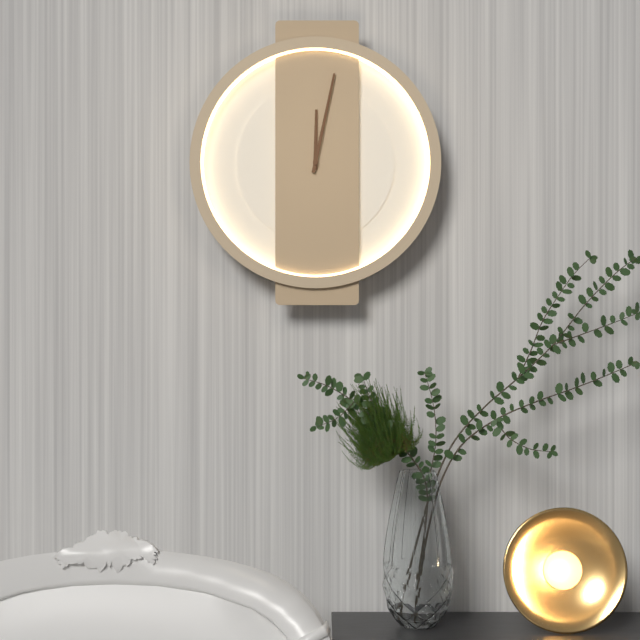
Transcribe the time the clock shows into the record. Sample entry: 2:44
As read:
12:02
